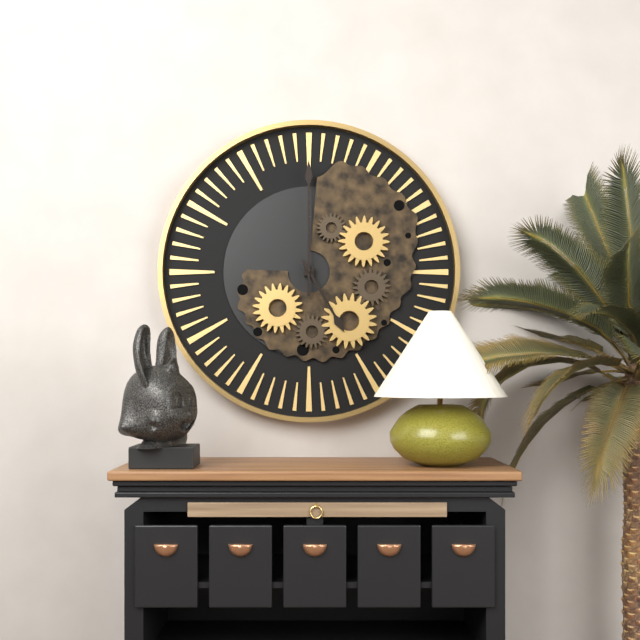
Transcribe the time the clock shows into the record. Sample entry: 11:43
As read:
5:00
